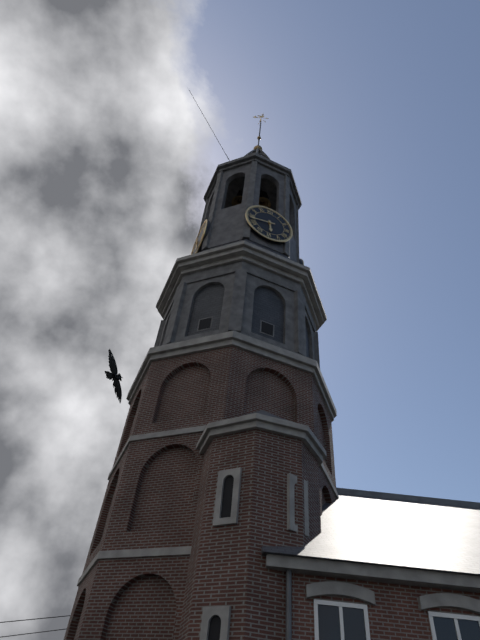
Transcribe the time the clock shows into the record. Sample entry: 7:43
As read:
5:43
